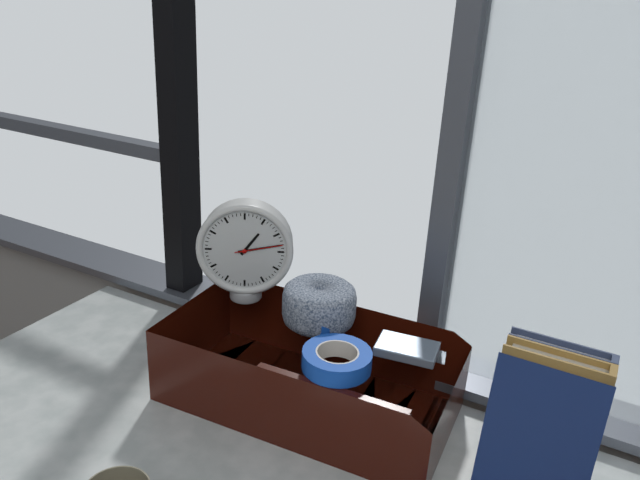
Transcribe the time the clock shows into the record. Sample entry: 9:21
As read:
1:13
